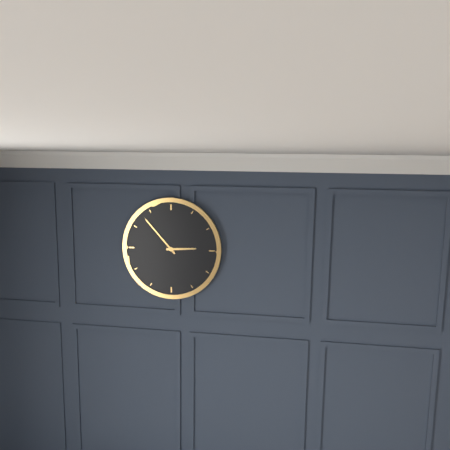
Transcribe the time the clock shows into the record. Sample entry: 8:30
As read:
2:53
